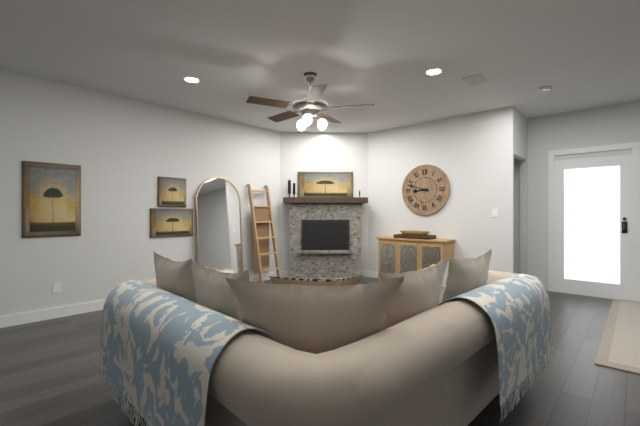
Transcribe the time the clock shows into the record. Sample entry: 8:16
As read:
8:48
